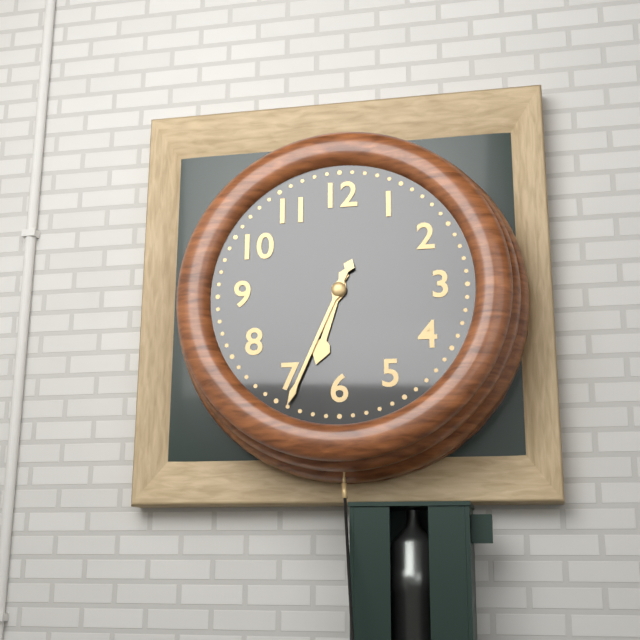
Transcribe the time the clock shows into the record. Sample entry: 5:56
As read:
6:34
